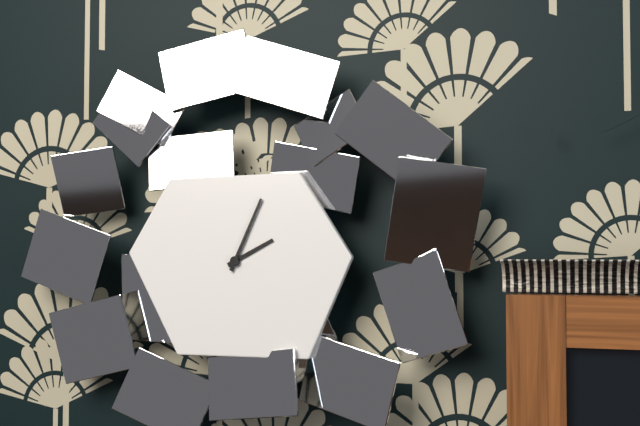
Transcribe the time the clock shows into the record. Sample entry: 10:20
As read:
2:04
